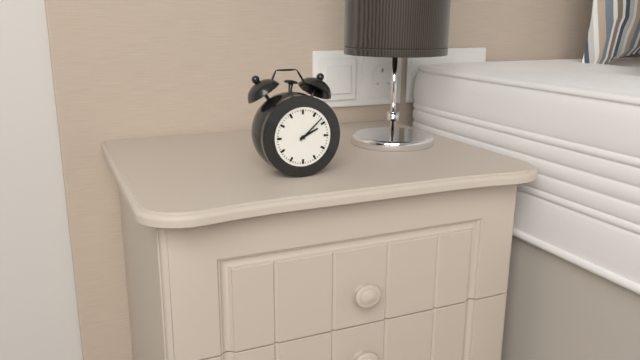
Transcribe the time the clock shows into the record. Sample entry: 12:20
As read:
2:08
